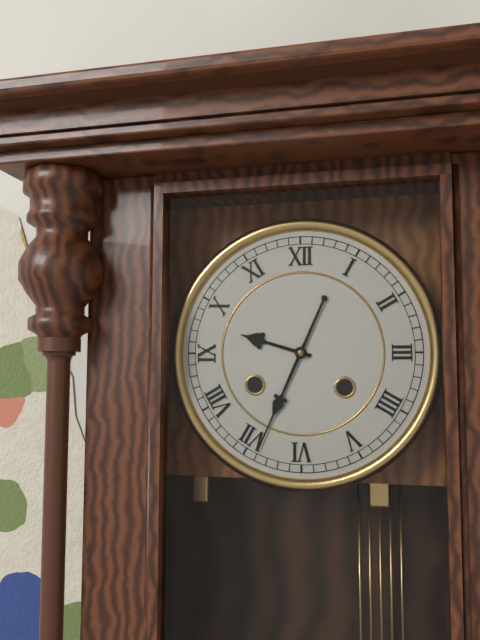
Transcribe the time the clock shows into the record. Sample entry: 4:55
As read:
9:34
